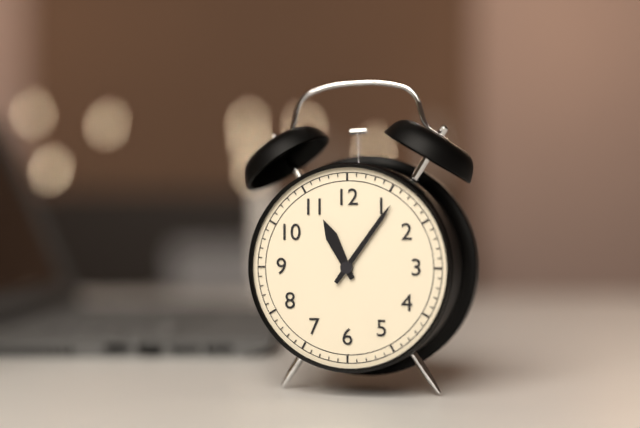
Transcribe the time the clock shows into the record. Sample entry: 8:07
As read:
11:06
